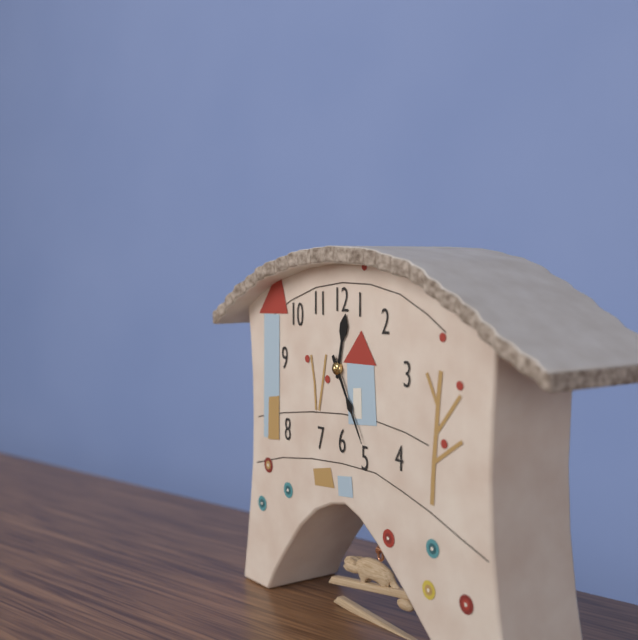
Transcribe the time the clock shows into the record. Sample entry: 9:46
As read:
12:25
